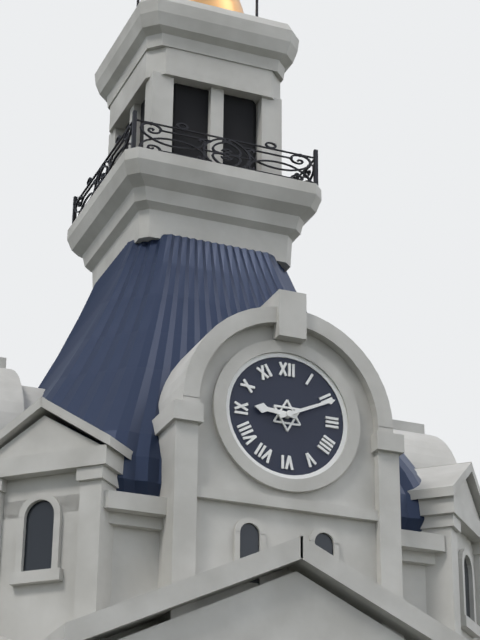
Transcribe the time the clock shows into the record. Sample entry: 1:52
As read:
9:11
